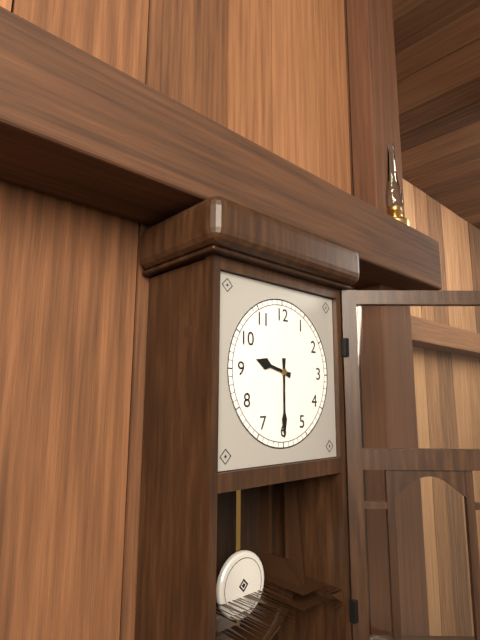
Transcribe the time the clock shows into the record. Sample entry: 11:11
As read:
9:30
